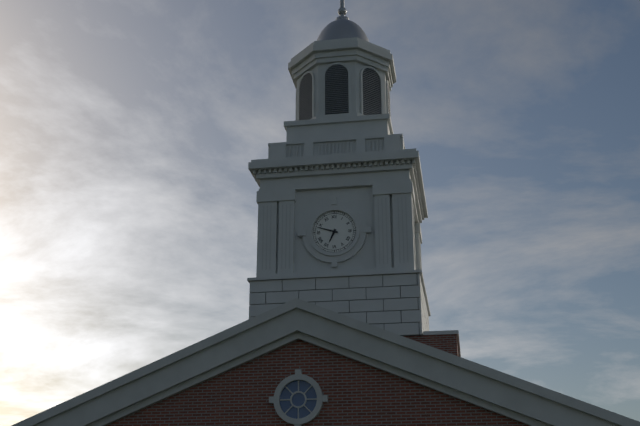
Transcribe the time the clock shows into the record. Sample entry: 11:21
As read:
6:48
